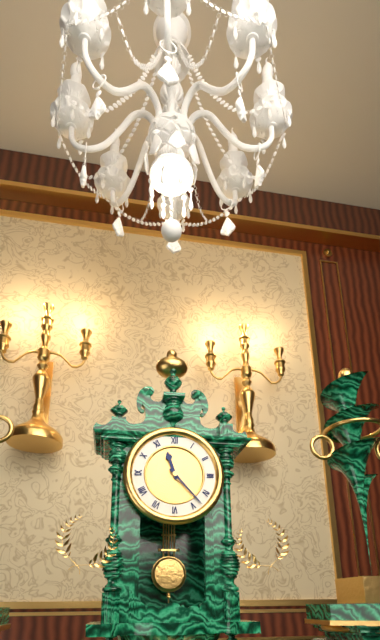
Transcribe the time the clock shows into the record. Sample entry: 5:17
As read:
11:23
